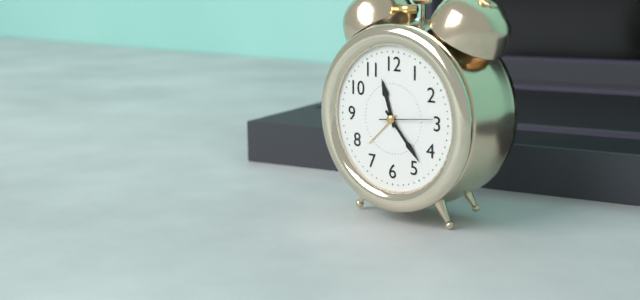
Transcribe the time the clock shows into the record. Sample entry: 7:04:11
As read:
11:23:14
